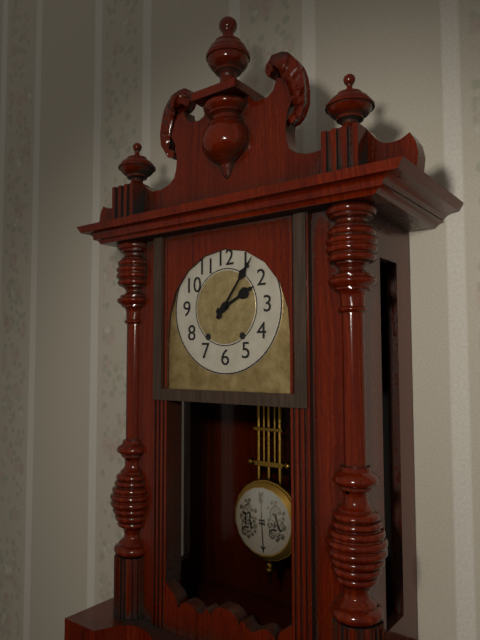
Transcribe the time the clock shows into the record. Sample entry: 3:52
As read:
2:06
